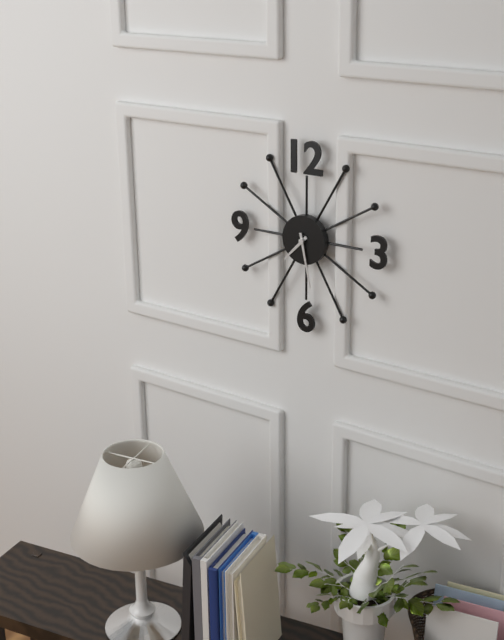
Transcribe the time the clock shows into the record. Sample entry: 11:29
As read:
7:28
